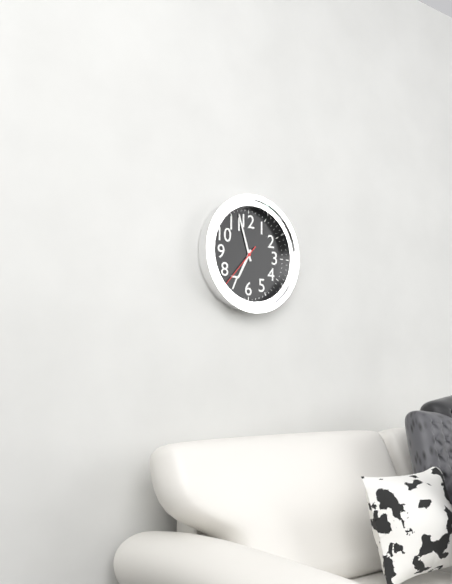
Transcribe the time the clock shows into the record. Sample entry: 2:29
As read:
6:57
